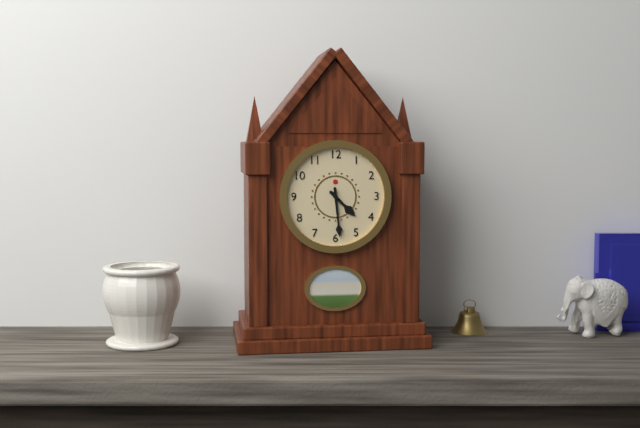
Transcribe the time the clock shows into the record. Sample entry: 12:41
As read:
4:29
